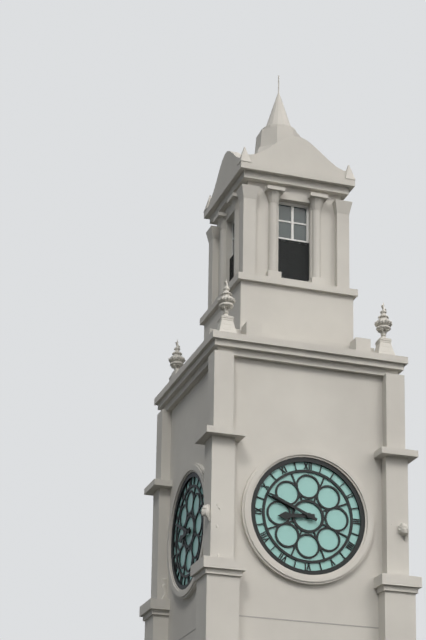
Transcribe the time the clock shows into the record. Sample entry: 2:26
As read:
8:49
